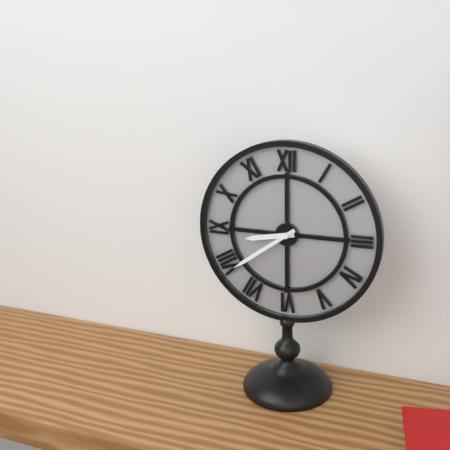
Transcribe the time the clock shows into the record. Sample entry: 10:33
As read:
8:39
